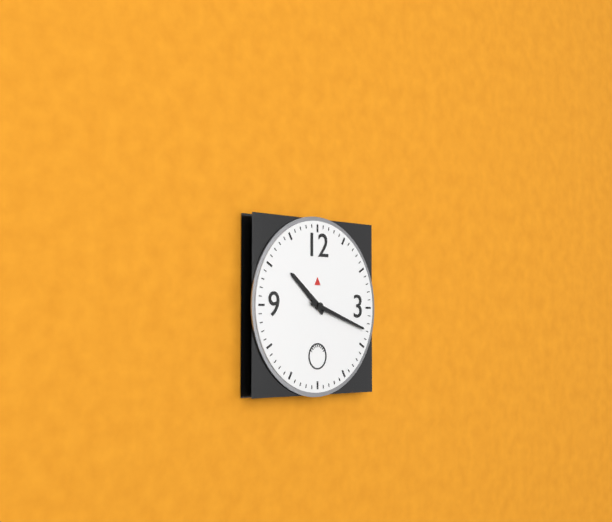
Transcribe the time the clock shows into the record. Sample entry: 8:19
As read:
10:18
